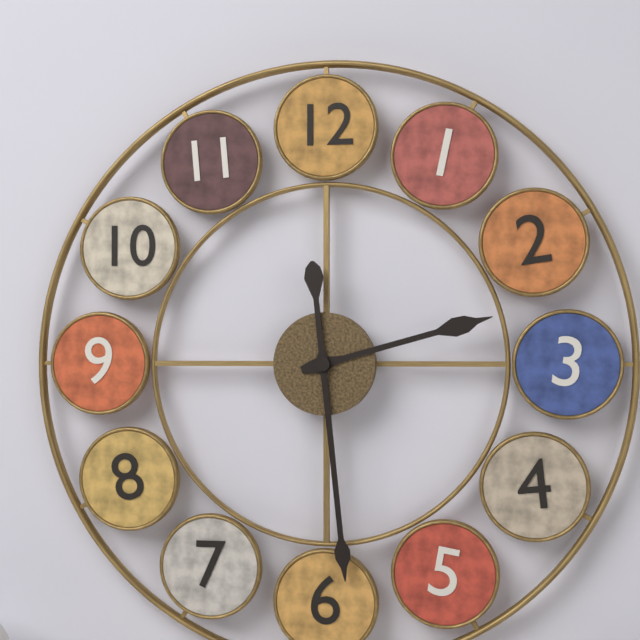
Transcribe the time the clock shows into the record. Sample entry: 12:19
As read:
2:29
